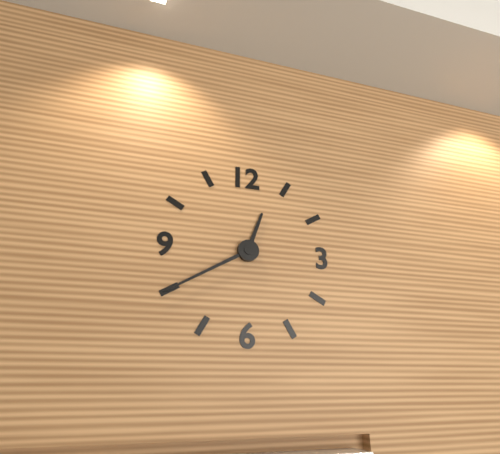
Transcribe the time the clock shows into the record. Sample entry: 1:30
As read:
12:40
